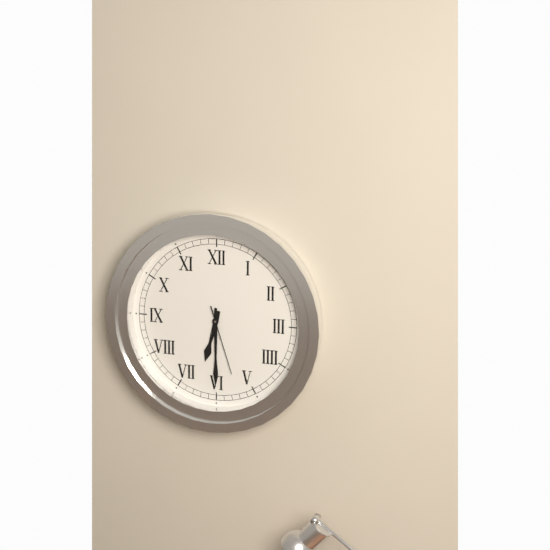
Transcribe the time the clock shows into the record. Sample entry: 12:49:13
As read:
6:30:27
